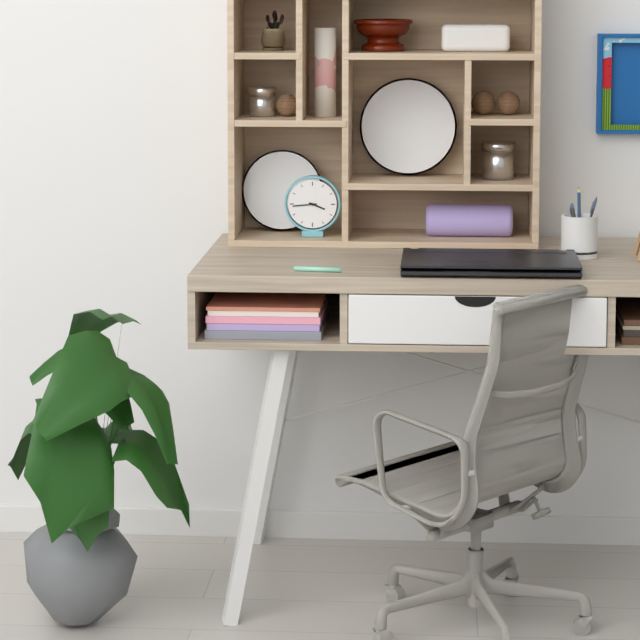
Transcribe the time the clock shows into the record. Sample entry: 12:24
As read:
3:44
